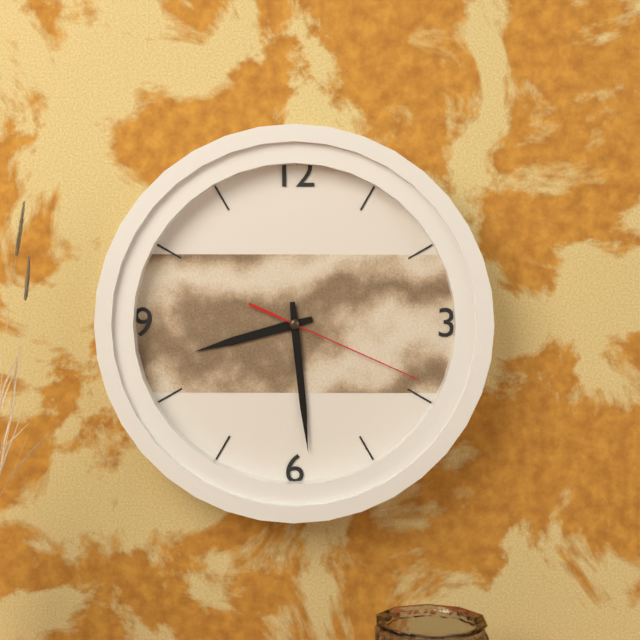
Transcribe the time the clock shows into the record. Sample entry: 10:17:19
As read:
8:29:19
